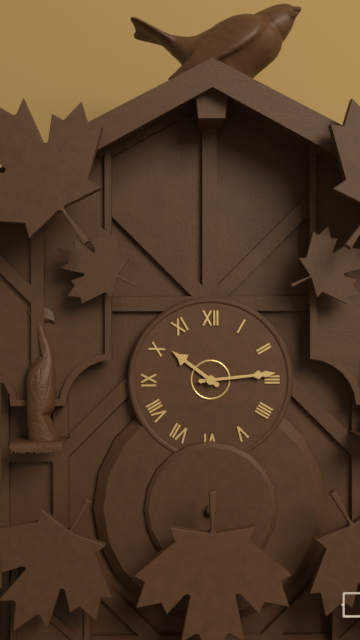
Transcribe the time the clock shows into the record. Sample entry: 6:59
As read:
10:14
